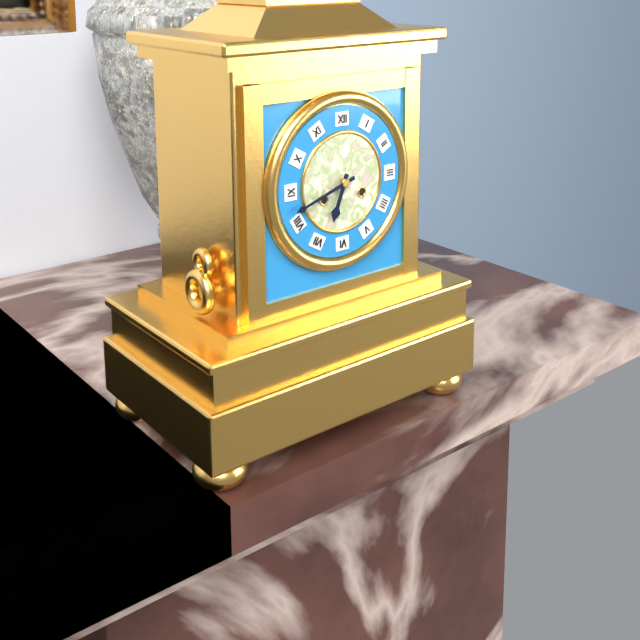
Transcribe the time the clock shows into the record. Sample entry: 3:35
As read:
6:42
